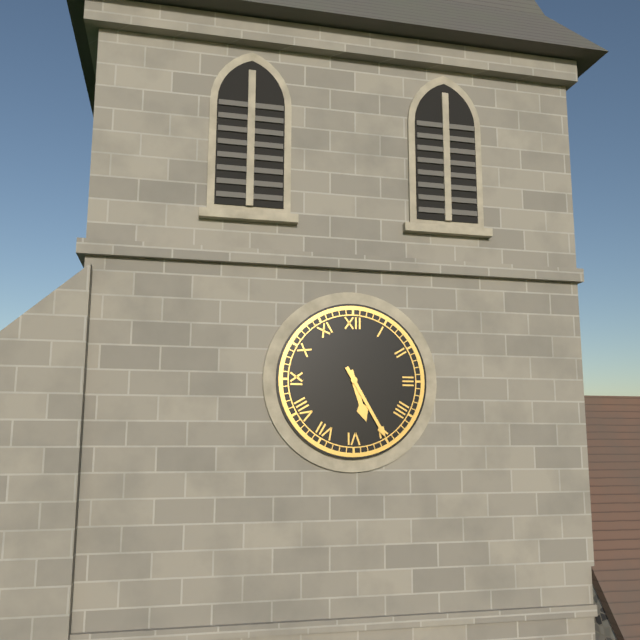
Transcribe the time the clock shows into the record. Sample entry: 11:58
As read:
5:25
